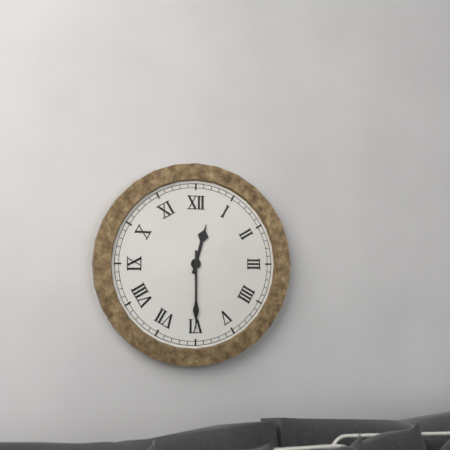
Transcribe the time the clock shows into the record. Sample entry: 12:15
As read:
12:30
